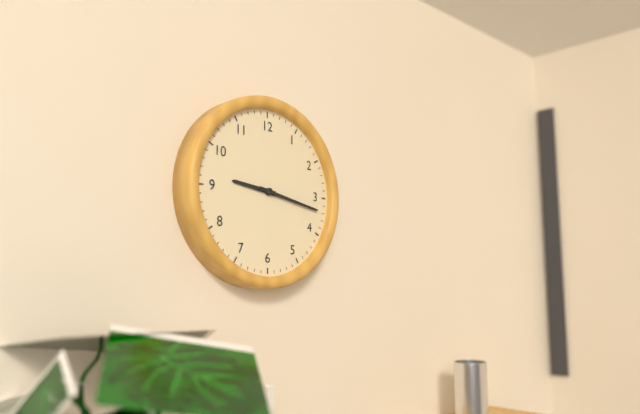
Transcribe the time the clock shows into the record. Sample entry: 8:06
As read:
9:17
